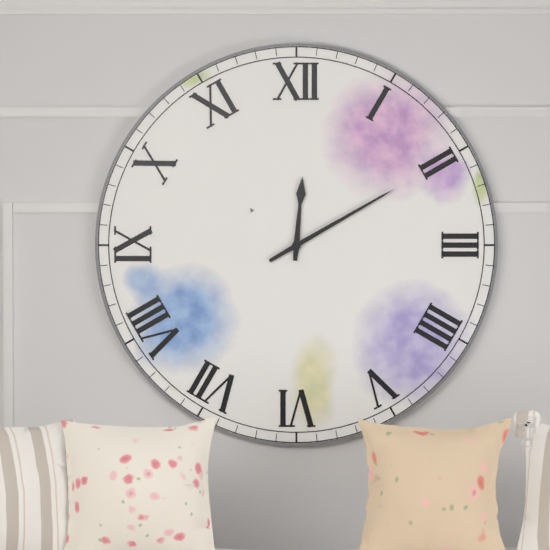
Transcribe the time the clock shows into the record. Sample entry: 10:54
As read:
12:10
